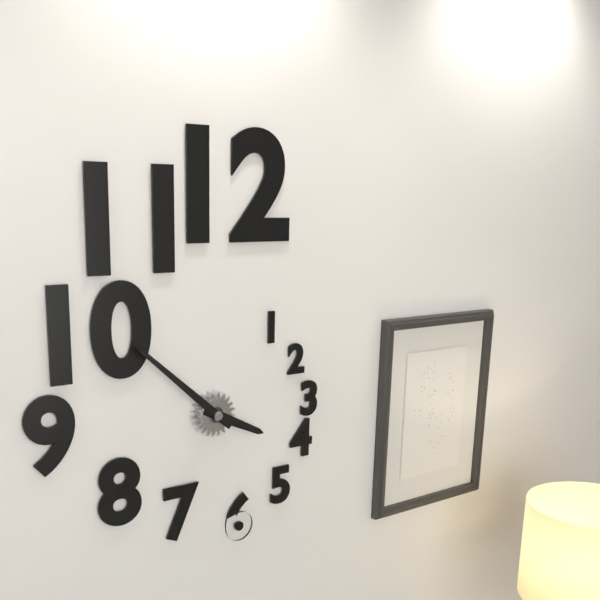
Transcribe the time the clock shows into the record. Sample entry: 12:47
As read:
3:52
